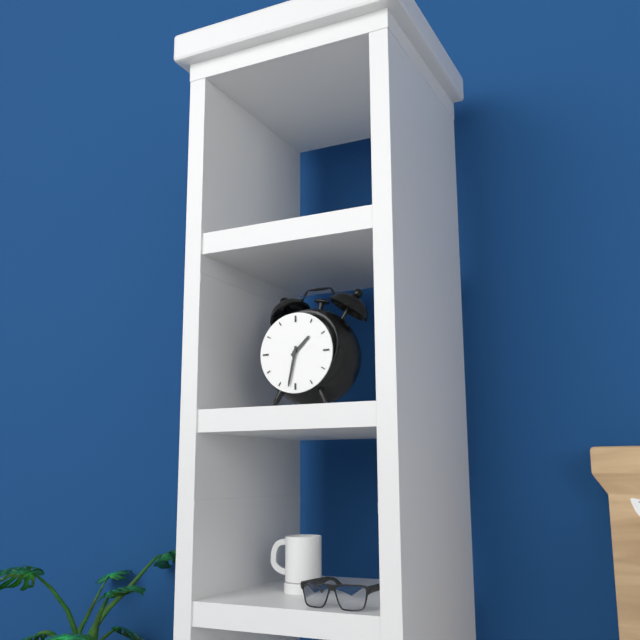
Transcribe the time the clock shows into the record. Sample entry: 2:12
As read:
1:32
